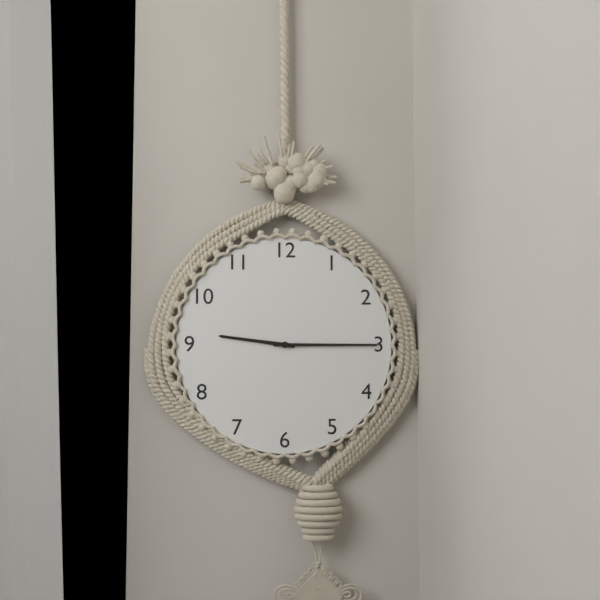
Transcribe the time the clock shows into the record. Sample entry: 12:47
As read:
9:15
